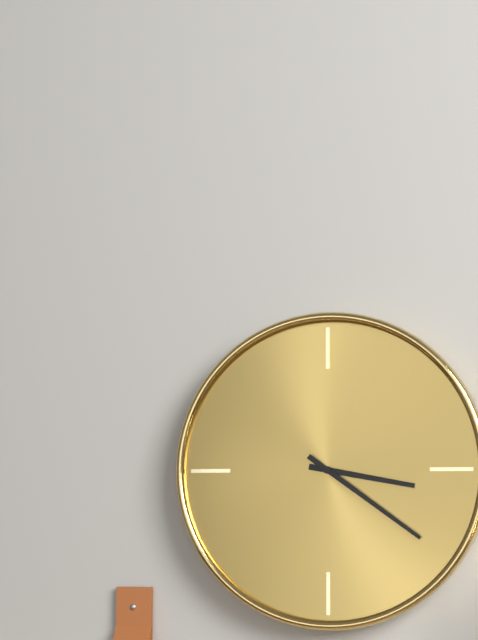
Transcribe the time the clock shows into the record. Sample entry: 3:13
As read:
3:21
